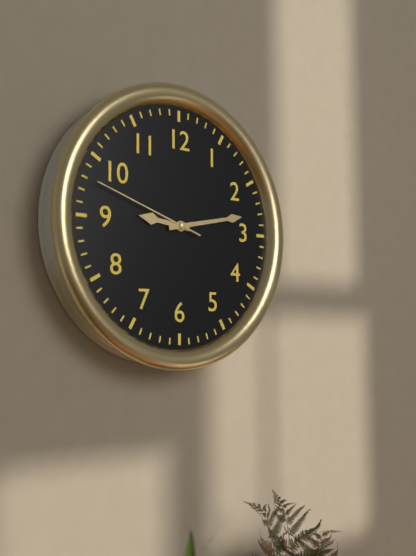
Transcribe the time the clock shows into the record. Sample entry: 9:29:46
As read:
9:13:48
